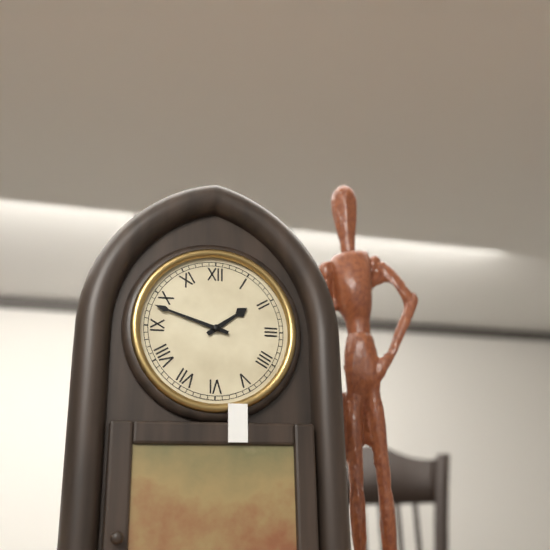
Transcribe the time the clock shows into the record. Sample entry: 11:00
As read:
1:48
